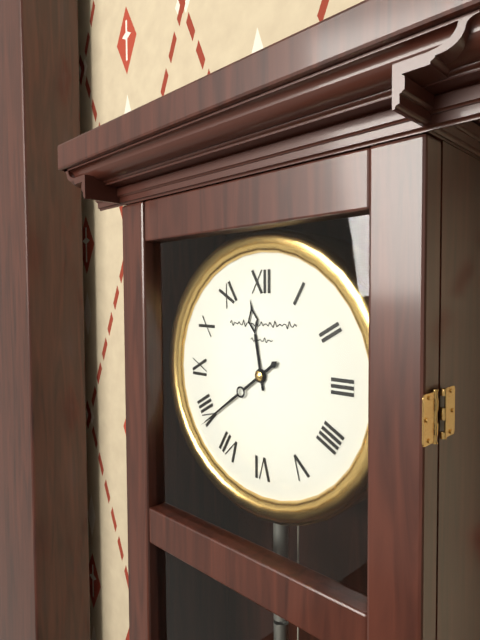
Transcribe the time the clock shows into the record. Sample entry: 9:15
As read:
11:39
